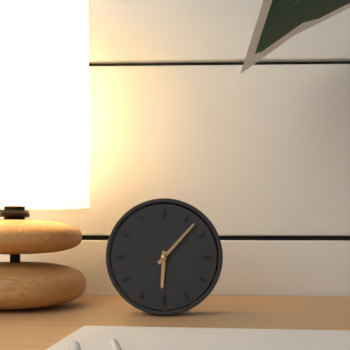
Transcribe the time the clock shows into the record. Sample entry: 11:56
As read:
6:07
